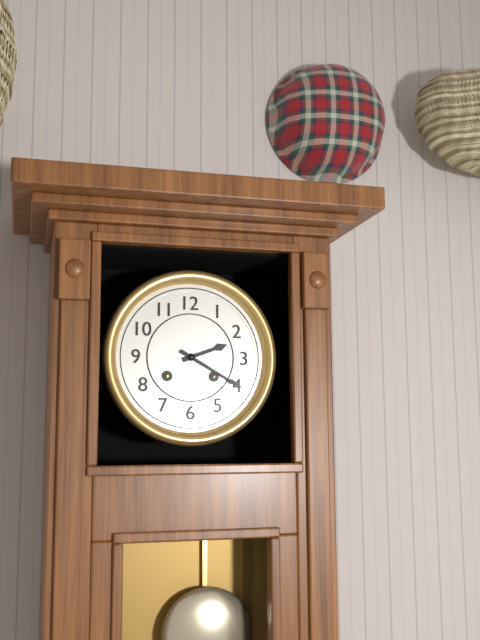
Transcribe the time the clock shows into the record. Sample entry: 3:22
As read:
2:20
